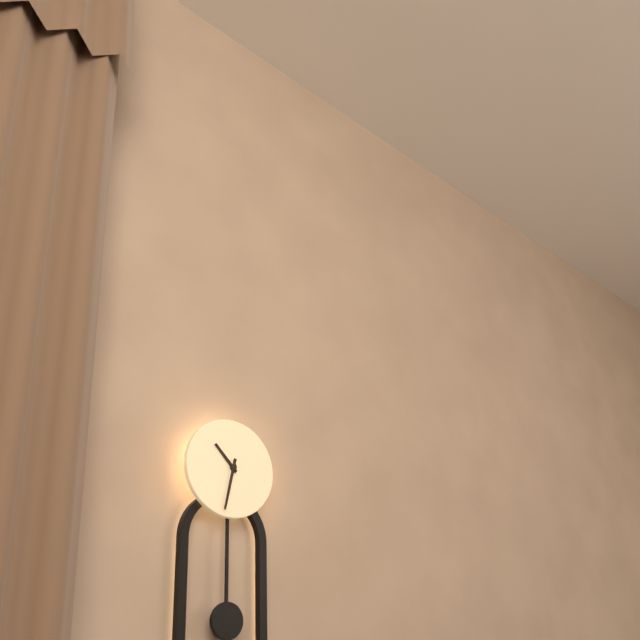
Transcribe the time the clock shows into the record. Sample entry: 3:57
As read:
10:32
